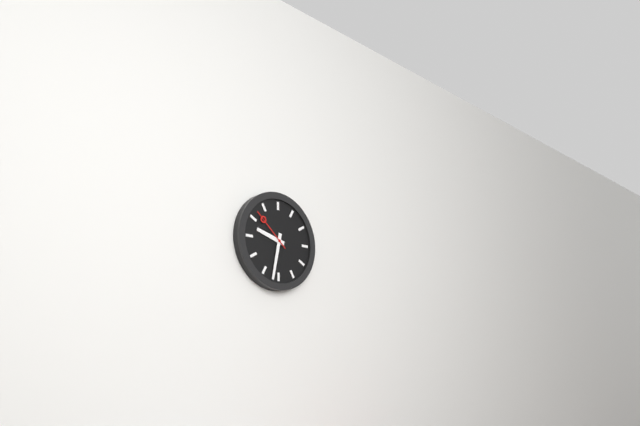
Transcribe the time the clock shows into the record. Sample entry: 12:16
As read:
9:32
